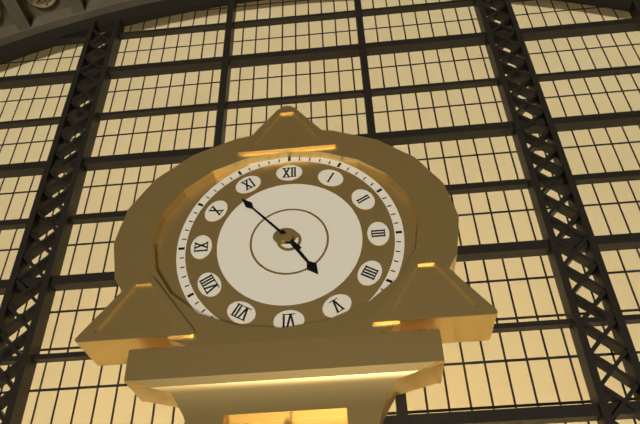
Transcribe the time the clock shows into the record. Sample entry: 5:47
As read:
4:53
